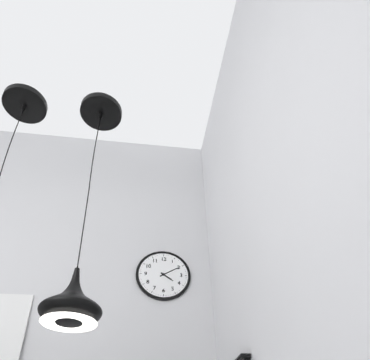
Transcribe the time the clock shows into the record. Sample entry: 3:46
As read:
4:10
